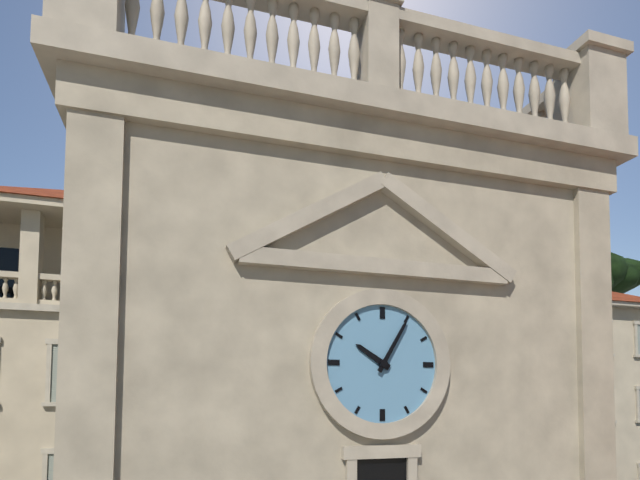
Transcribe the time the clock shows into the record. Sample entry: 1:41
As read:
10:05
